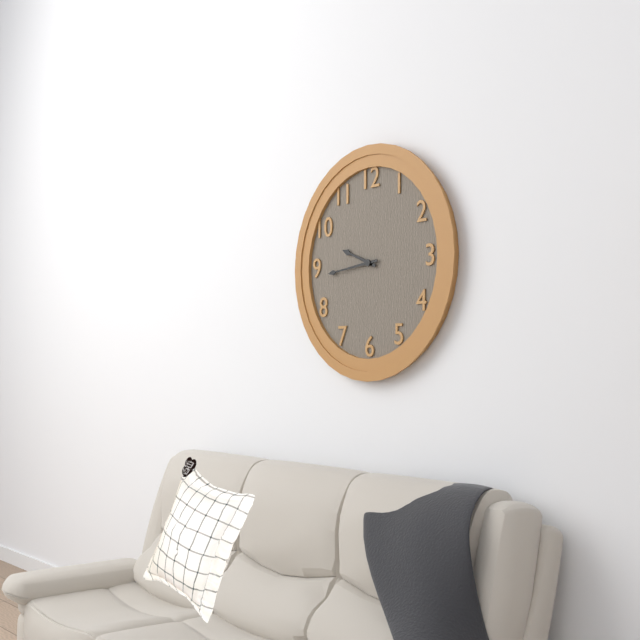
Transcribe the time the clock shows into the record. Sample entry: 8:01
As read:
9:44
